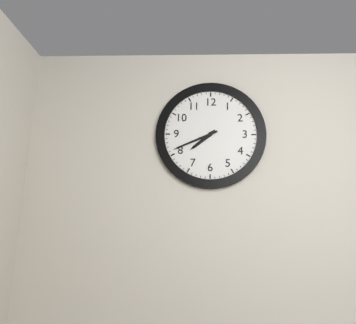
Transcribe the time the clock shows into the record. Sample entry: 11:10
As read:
7:41
